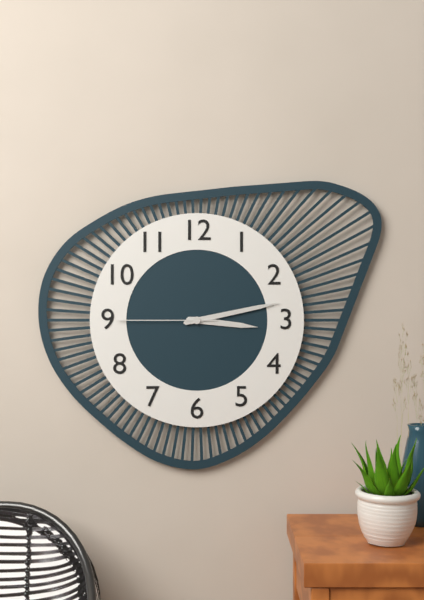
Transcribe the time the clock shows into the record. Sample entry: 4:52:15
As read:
3:13:45
